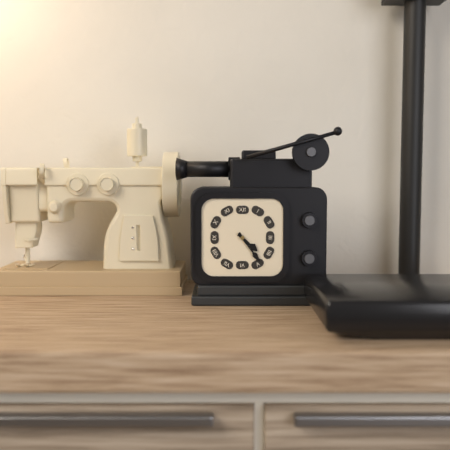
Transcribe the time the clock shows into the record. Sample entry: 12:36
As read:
4:24
